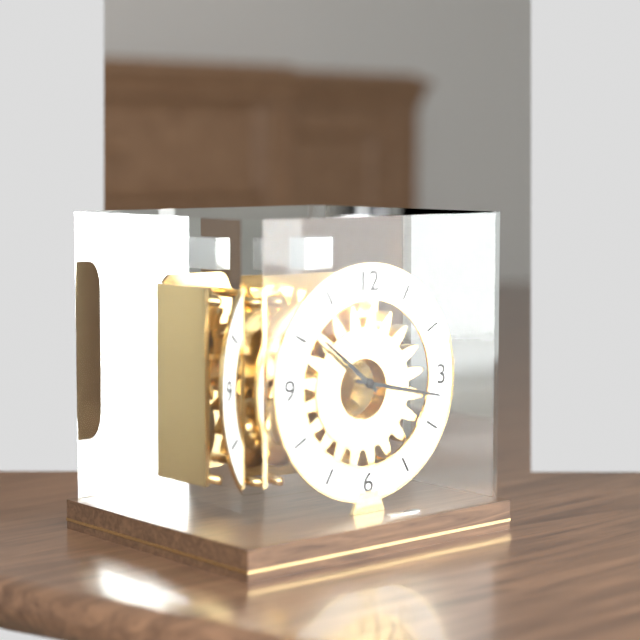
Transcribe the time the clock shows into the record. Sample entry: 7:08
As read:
10:17
